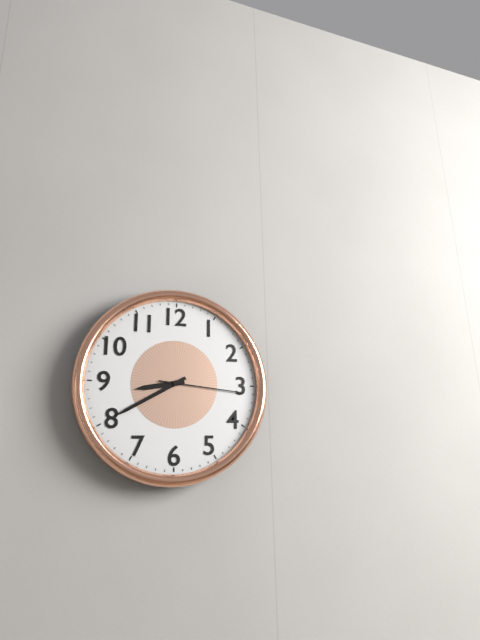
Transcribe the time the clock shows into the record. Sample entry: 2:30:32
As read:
8:40:16
